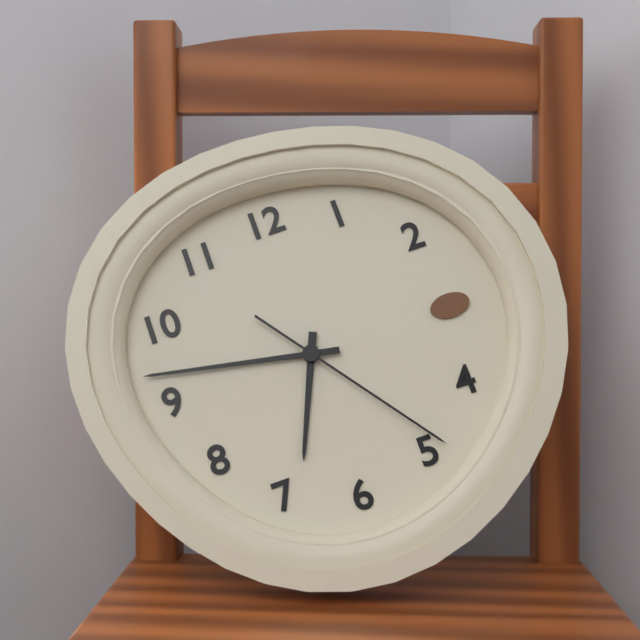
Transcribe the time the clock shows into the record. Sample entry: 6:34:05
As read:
6:47:24
